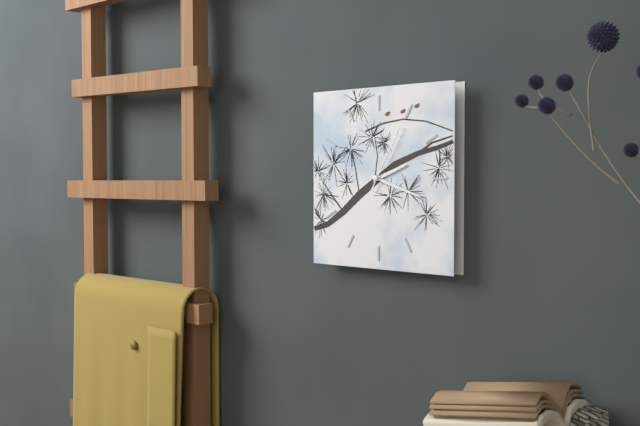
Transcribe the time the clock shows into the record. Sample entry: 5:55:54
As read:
2:18:05
